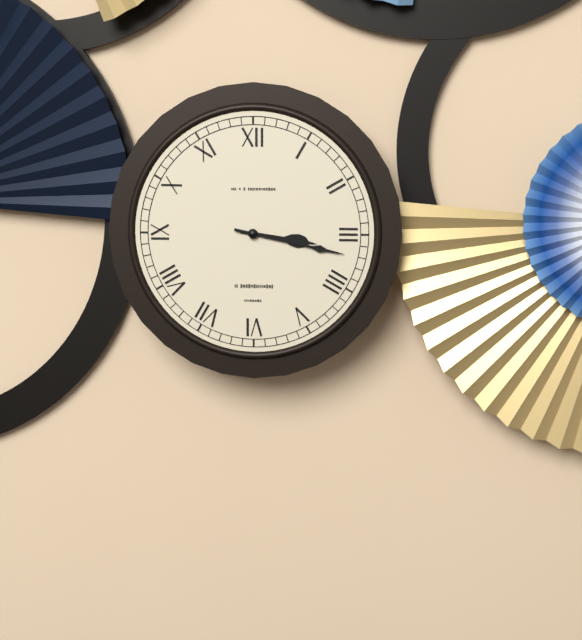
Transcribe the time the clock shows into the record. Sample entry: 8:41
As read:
3:17
